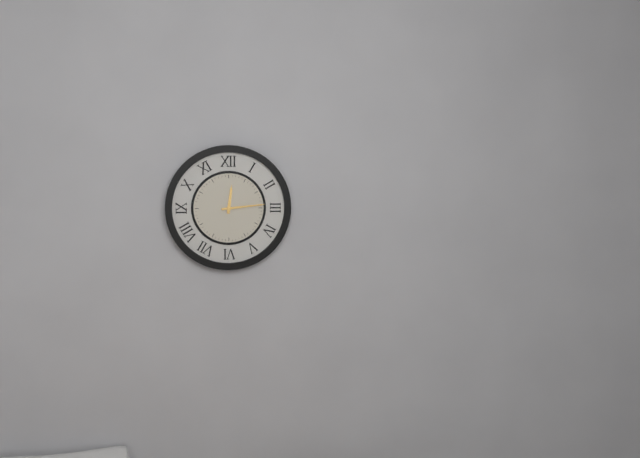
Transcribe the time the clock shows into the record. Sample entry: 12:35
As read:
12:14
